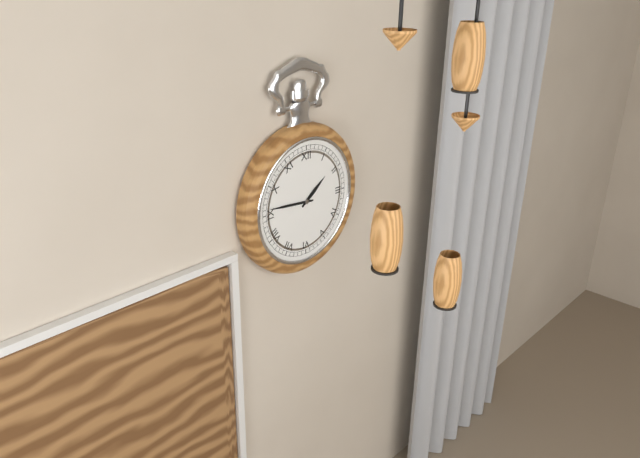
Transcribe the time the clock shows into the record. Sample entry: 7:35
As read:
1:46
